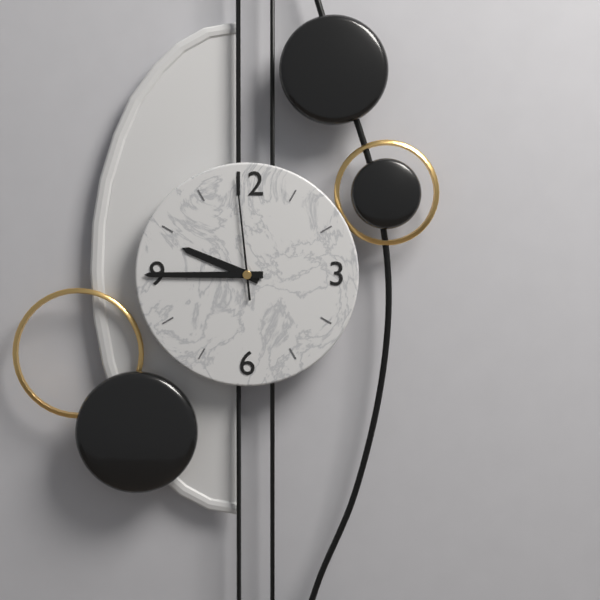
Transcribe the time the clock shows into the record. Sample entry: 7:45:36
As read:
9:45:59
